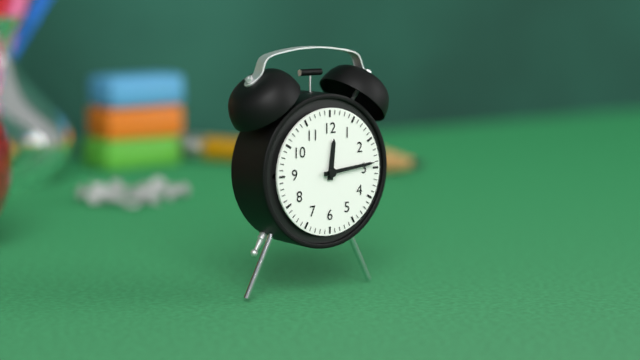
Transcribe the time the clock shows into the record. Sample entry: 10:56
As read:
12:14
